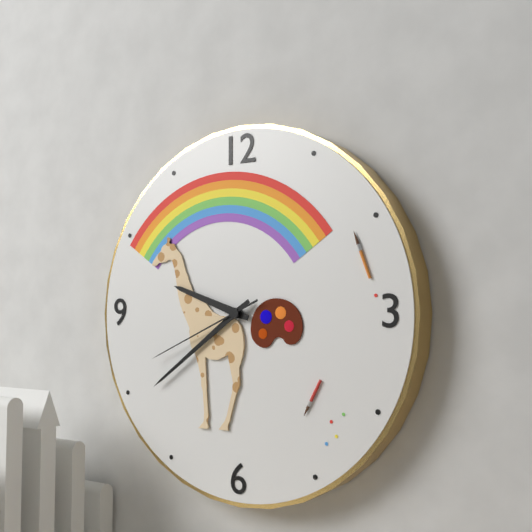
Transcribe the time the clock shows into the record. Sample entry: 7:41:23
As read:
9:39:41
